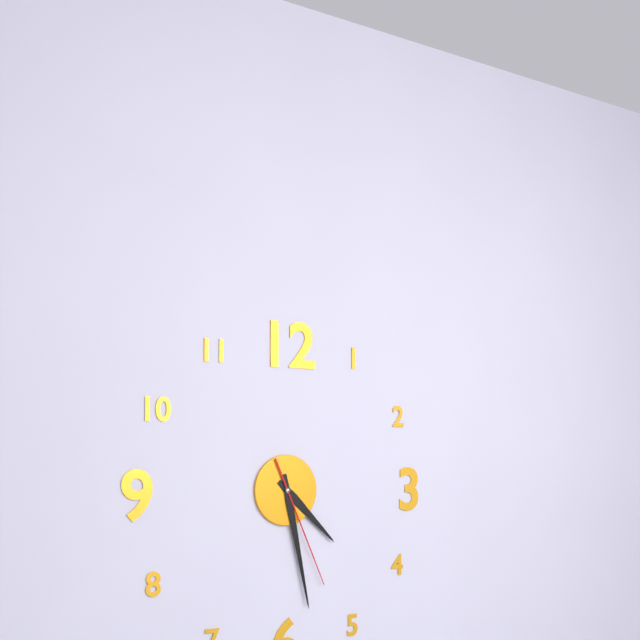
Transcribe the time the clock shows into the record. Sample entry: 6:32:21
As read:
4:28:26
